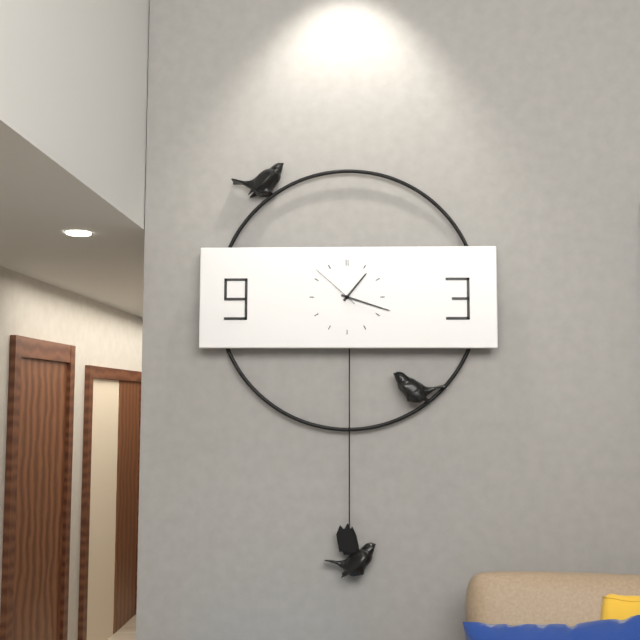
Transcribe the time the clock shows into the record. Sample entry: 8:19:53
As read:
1:18:52
